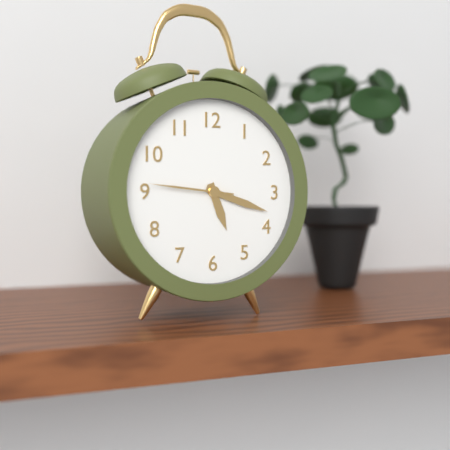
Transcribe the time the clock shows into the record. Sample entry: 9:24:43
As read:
5:18:46
